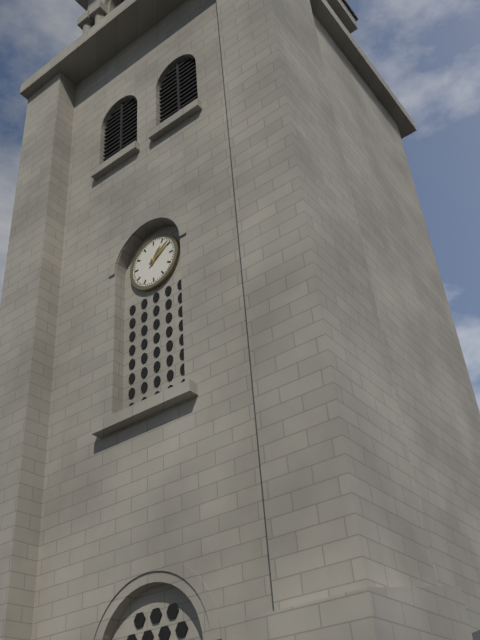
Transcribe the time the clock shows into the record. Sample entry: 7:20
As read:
1:09
